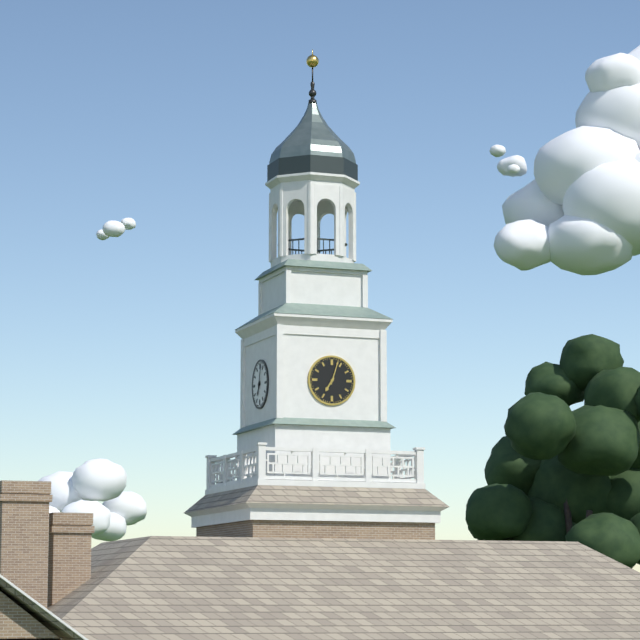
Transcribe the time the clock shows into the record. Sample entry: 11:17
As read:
7:03
